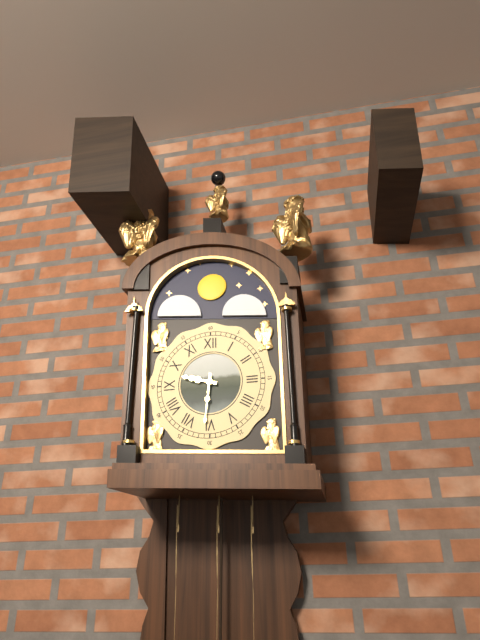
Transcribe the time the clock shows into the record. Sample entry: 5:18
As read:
9:31
